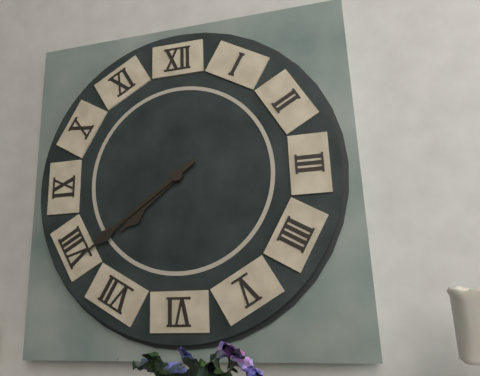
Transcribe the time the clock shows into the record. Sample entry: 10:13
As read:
7:39
